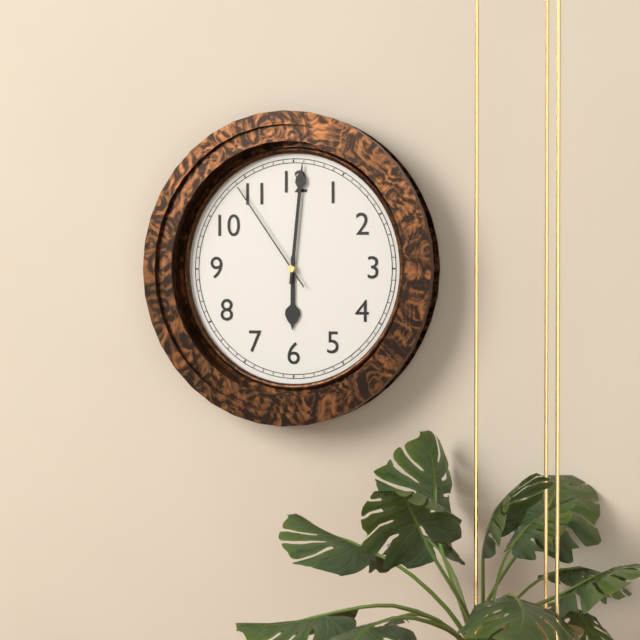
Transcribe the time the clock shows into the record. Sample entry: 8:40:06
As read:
6:01:54
